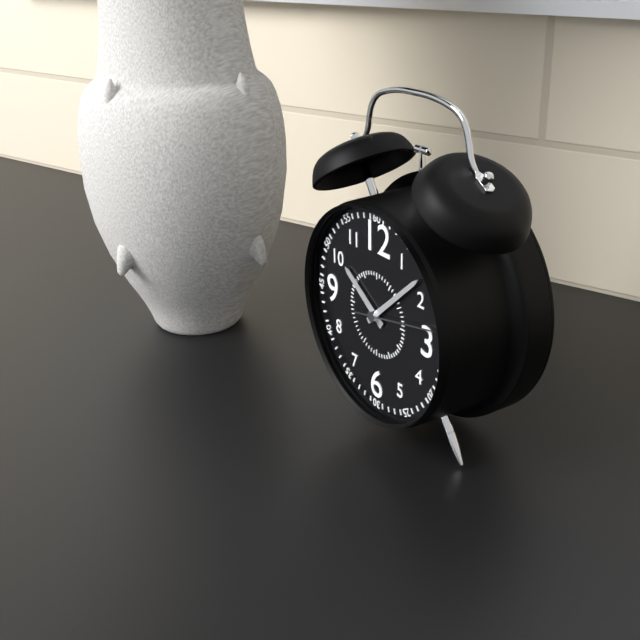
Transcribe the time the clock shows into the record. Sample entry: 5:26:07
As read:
10:08:13
